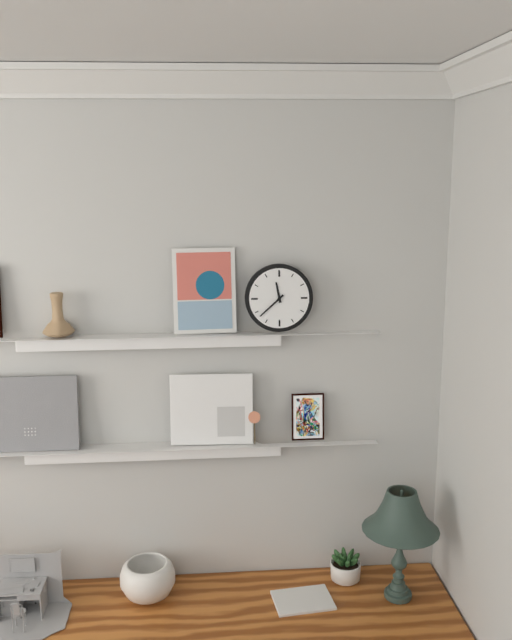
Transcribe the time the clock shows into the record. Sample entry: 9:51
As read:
11:38
